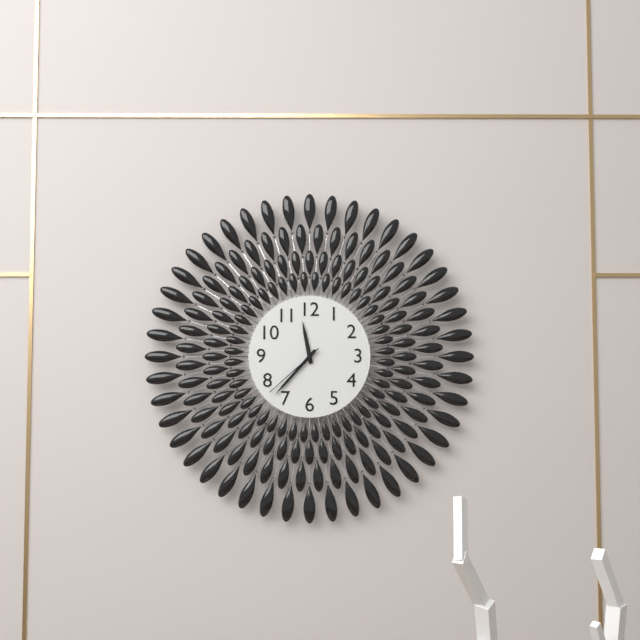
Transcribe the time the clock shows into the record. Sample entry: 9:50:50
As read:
11:37:38
